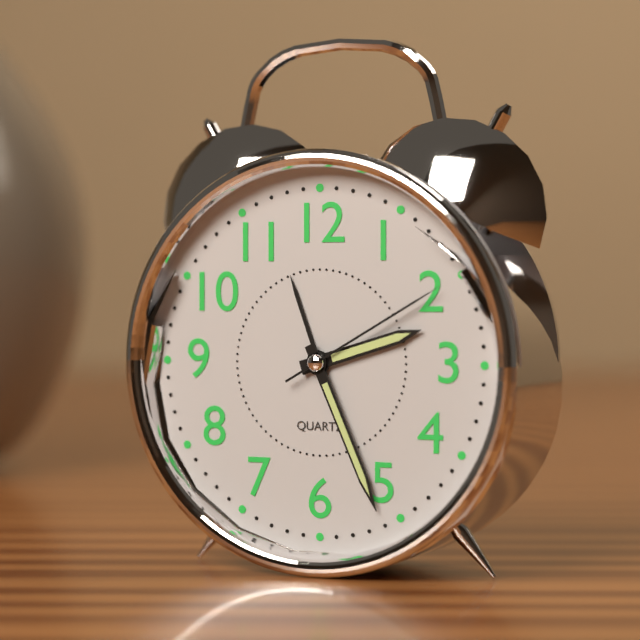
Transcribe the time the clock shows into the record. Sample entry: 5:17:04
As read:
2:26:10
